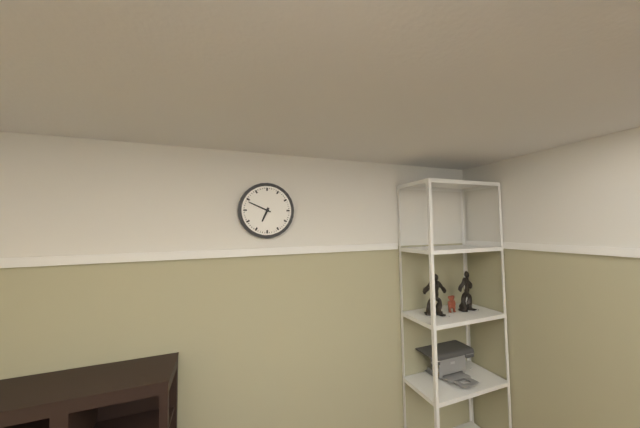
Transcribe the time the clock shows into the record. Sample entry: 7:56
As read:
6:49
